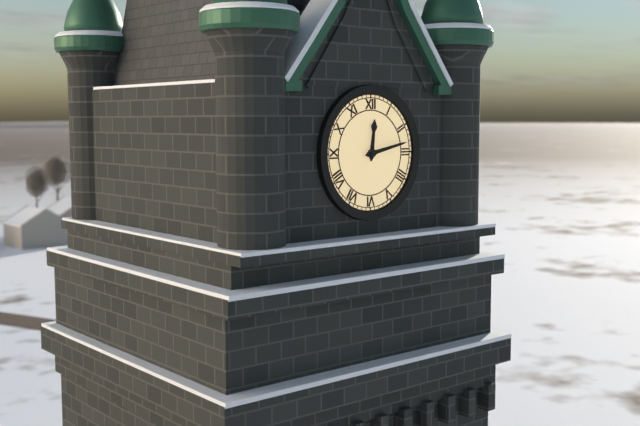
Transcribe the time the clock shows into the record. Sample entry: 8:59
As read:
12:13
